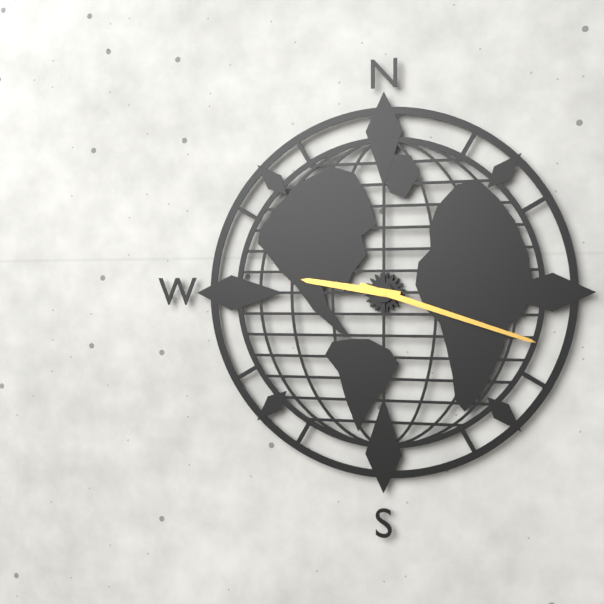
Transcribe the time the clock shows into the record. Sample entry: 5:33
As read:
9:18
